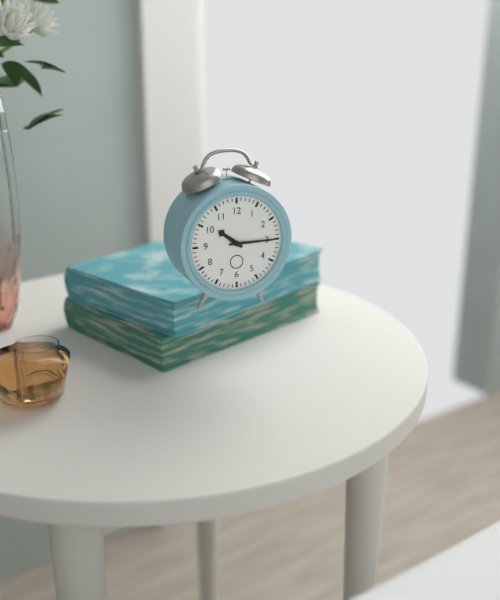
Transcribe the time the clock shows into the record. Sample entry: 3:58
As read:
10:15
